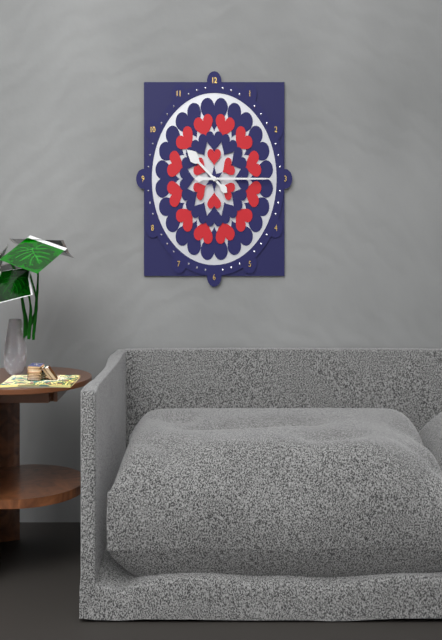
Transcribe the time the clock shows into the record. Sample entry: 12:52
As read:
10:15
